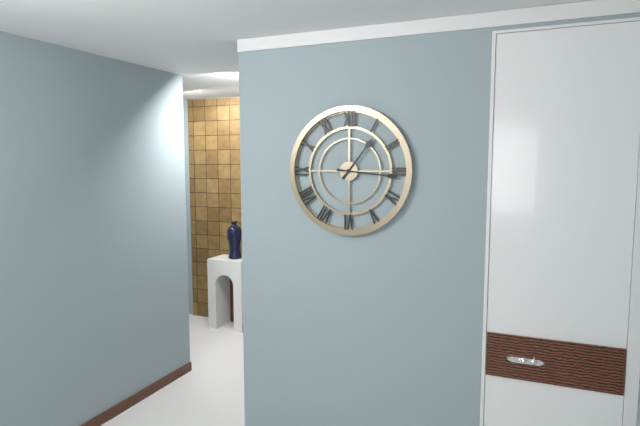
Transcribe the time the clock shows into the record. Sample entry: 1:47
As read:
1:16
